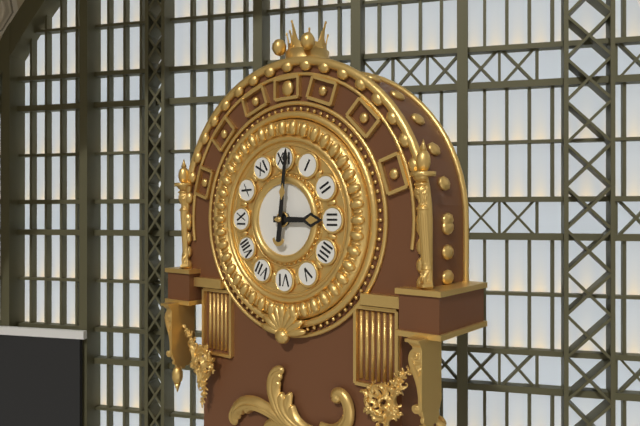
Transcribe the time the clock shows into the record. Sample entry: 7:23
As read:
3:01
